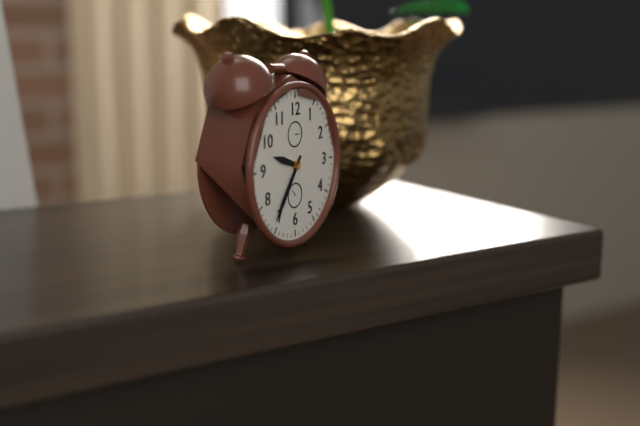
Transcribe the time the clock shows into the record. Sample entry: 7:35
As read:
9:36
